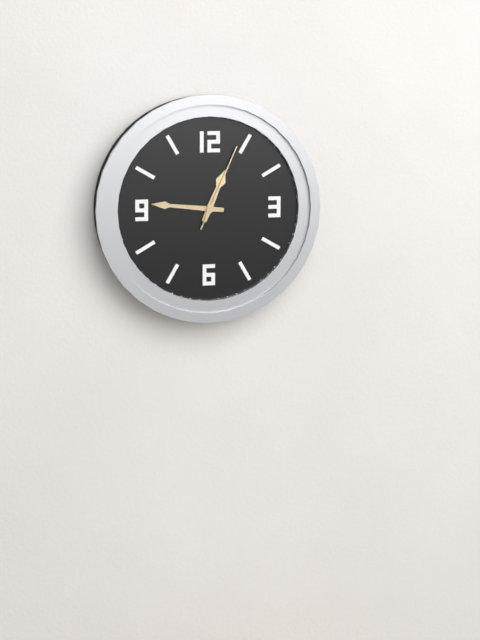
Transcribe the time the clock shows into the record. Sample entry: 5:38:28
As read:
12:46:04
